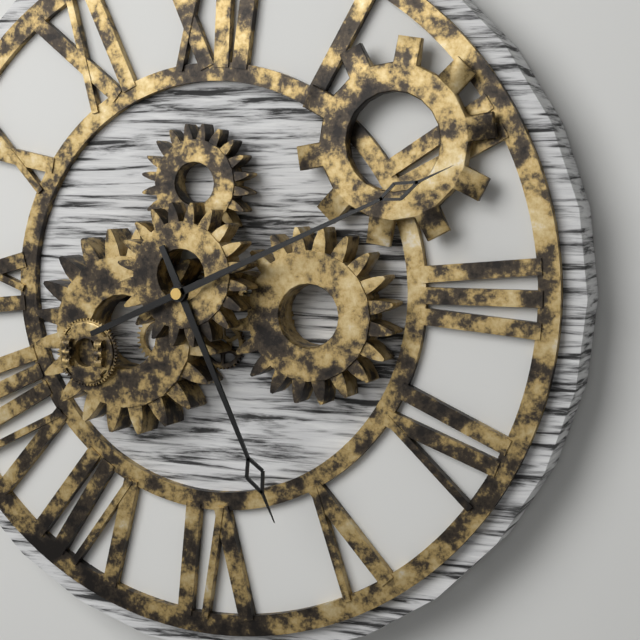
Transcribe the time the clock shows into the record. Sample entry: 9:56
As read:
5:11
